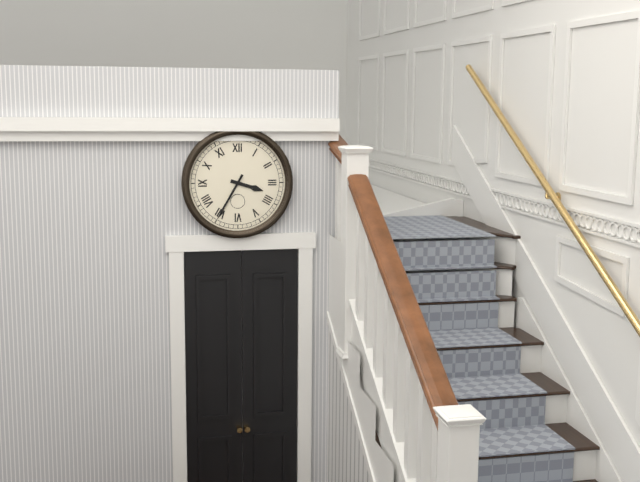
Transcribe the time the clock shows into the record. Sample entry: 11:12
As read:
3:35
